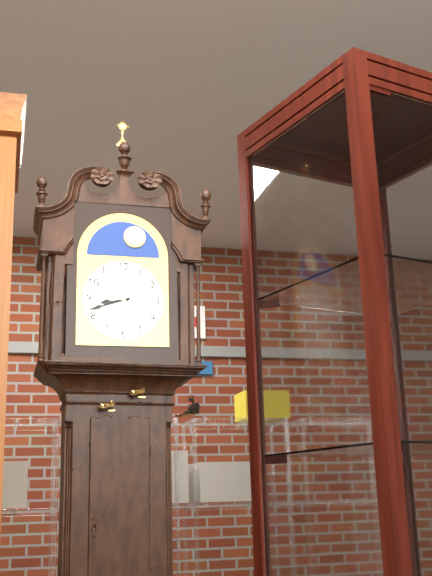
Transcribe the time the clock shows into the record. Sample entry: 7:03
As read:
8:42
